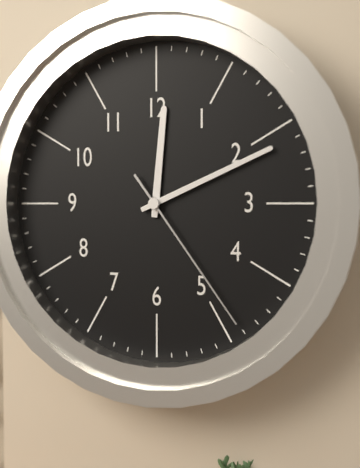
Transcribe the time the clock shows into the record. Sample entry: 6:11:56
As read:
12:11:24
